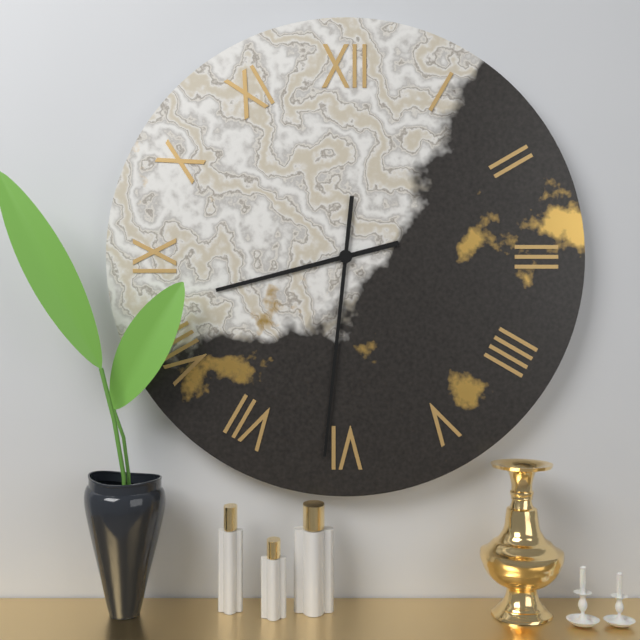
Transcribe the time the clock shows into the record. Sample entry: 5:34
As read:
8:31
